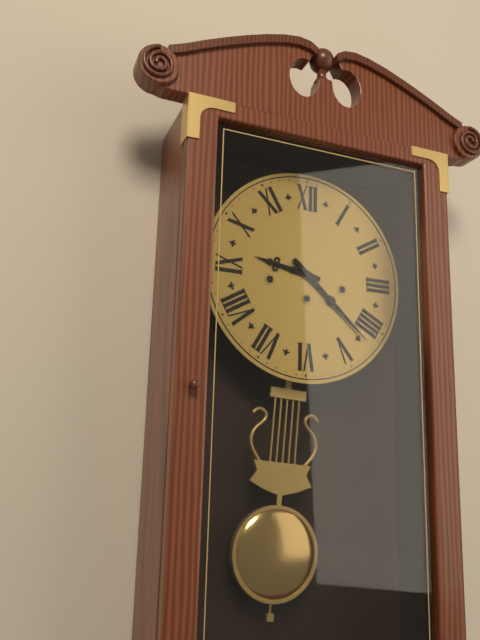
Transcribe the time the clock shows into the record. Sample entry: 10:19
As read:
9:22
